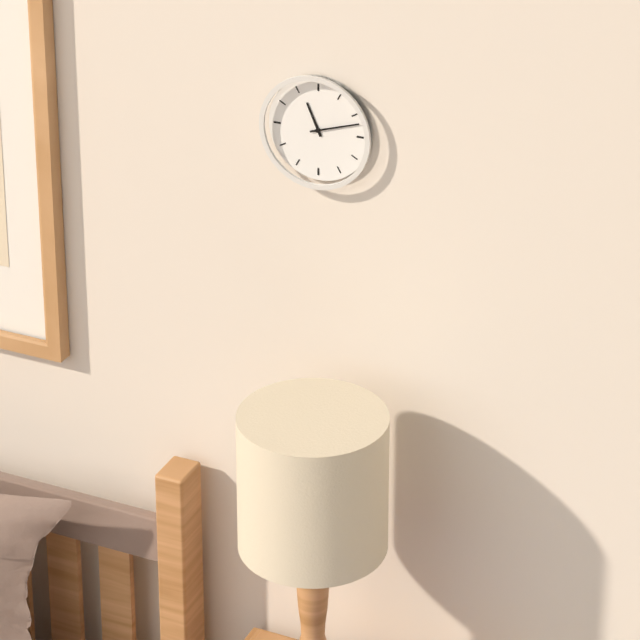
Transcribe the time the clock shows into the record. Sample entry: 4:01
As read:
11:12
